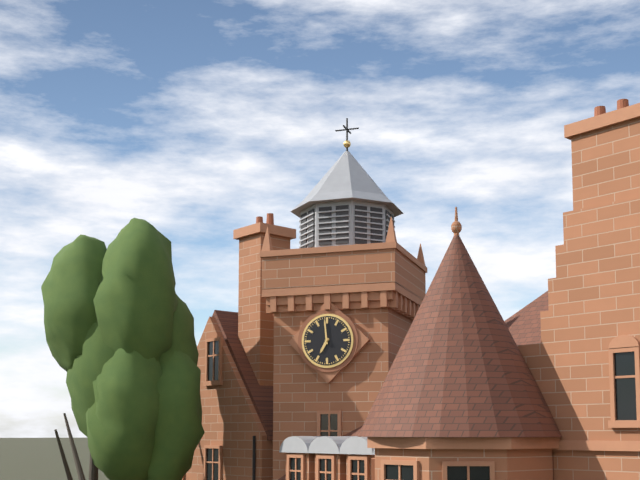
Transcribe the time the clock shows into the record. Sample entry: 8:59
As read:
6:59
